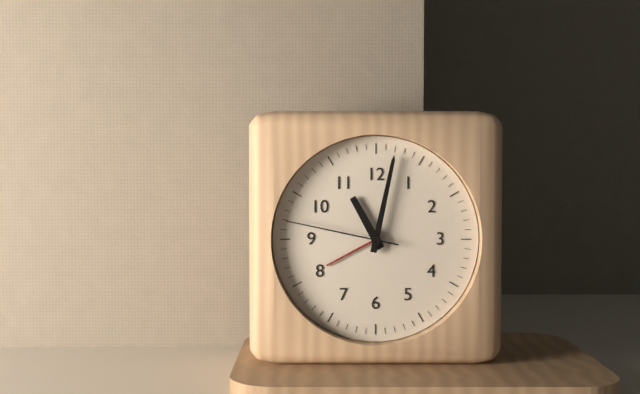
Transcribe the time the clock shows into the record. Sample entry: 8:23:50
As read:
11:02:47
